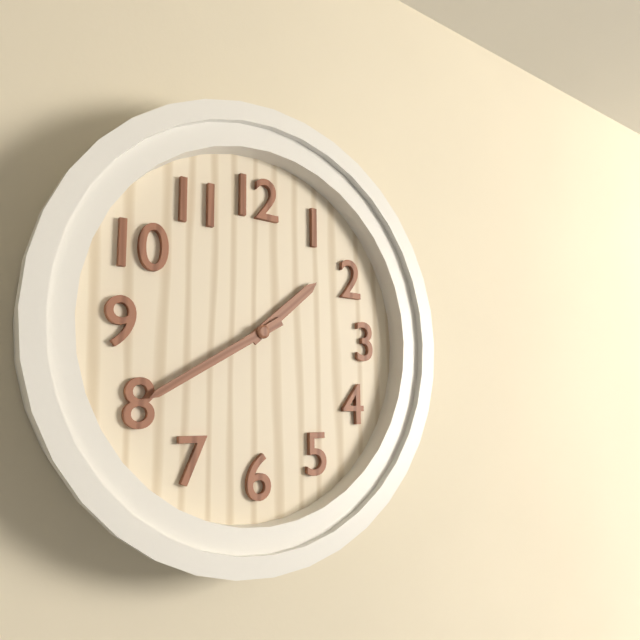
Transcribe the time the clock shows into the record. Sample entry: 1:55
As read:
1:40
